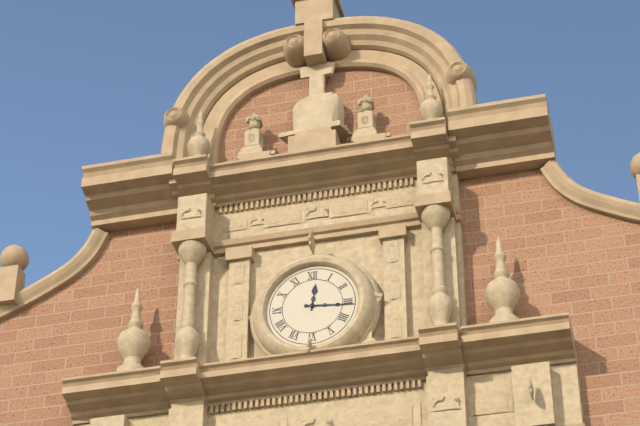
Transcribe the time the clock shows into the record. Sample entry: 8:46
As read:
12:16
